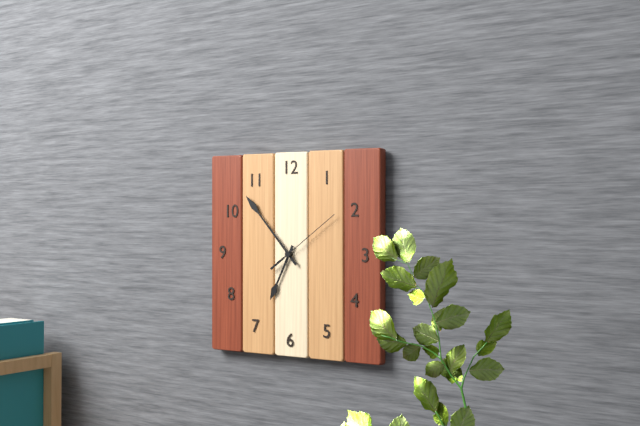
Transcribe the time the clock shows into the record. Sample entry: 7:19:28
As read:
6:53:09
